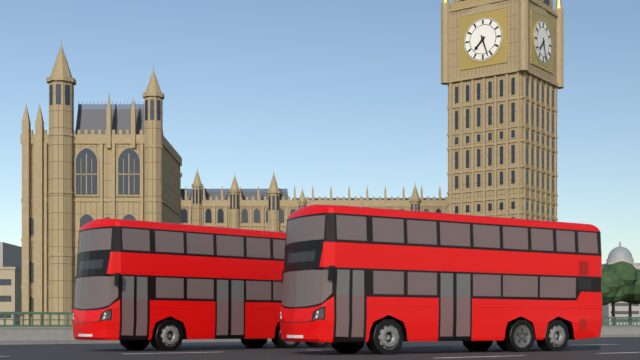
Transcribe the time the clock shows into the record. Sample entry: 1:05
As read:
7:27
